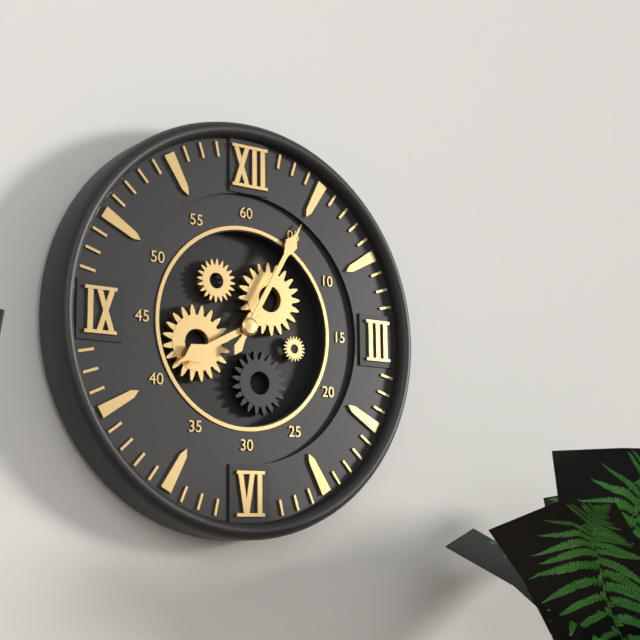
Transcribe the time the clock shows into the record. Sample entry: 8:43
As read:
8:05
